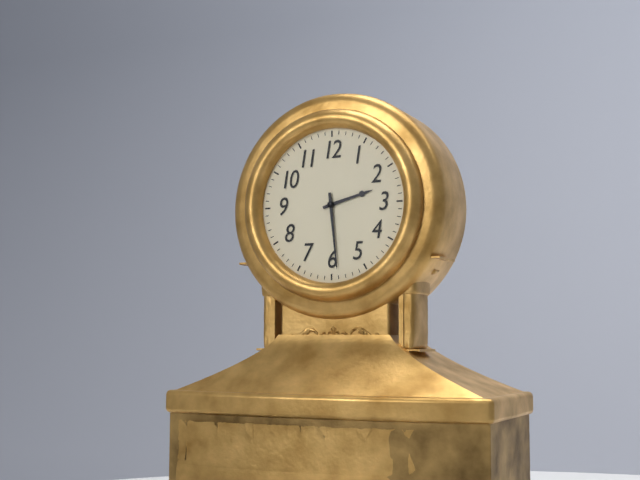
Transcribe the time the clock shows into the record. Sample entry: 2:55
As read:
2:29
